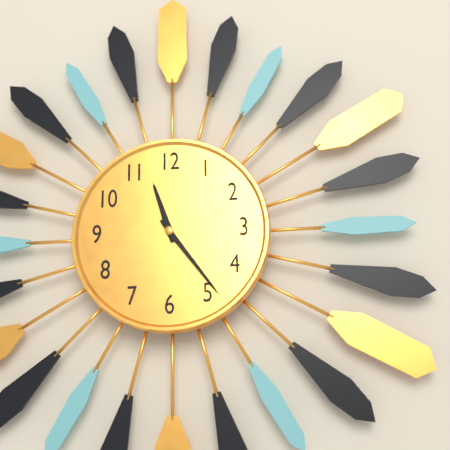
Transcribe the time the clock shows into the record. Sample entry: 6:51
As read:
11:24
